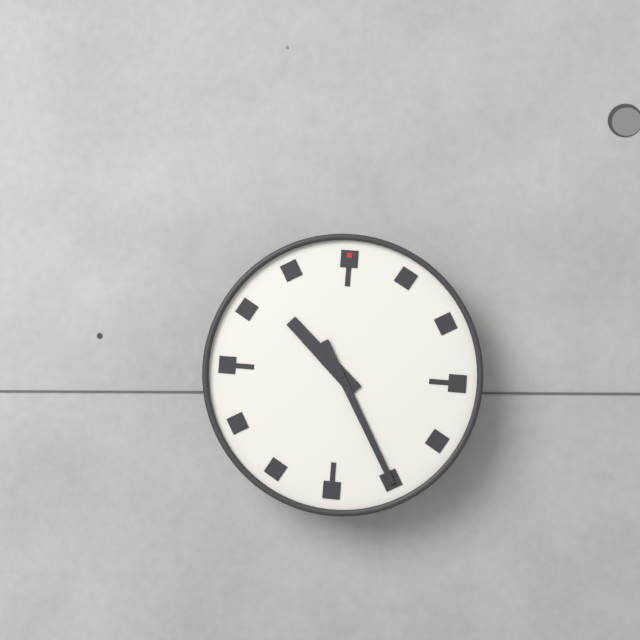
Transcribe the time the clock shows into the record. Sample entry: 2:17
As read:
10:25
